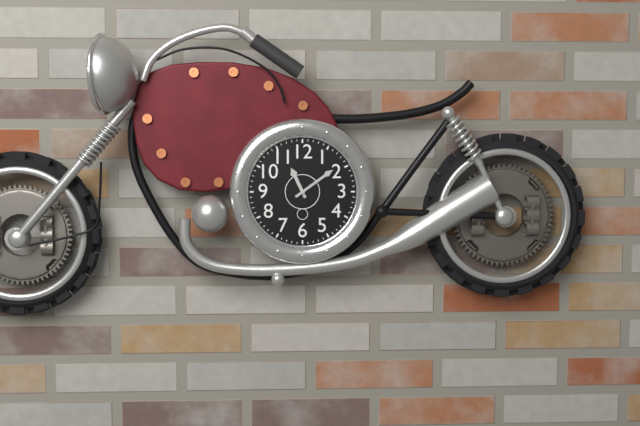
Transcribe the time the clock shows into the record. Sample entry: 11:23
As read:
11:09
